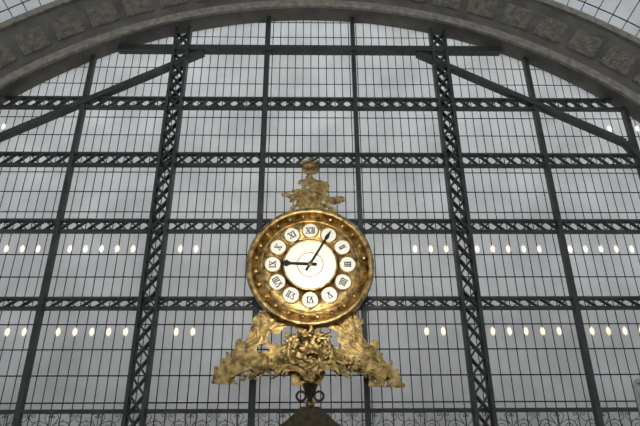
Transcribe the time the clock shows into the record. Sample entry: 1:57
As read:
9:05
